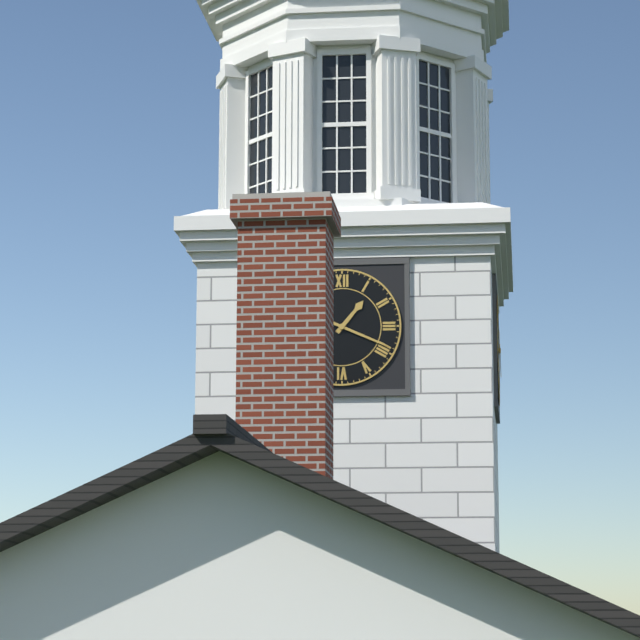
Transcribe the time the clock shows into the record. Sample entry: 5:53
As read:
1:19
